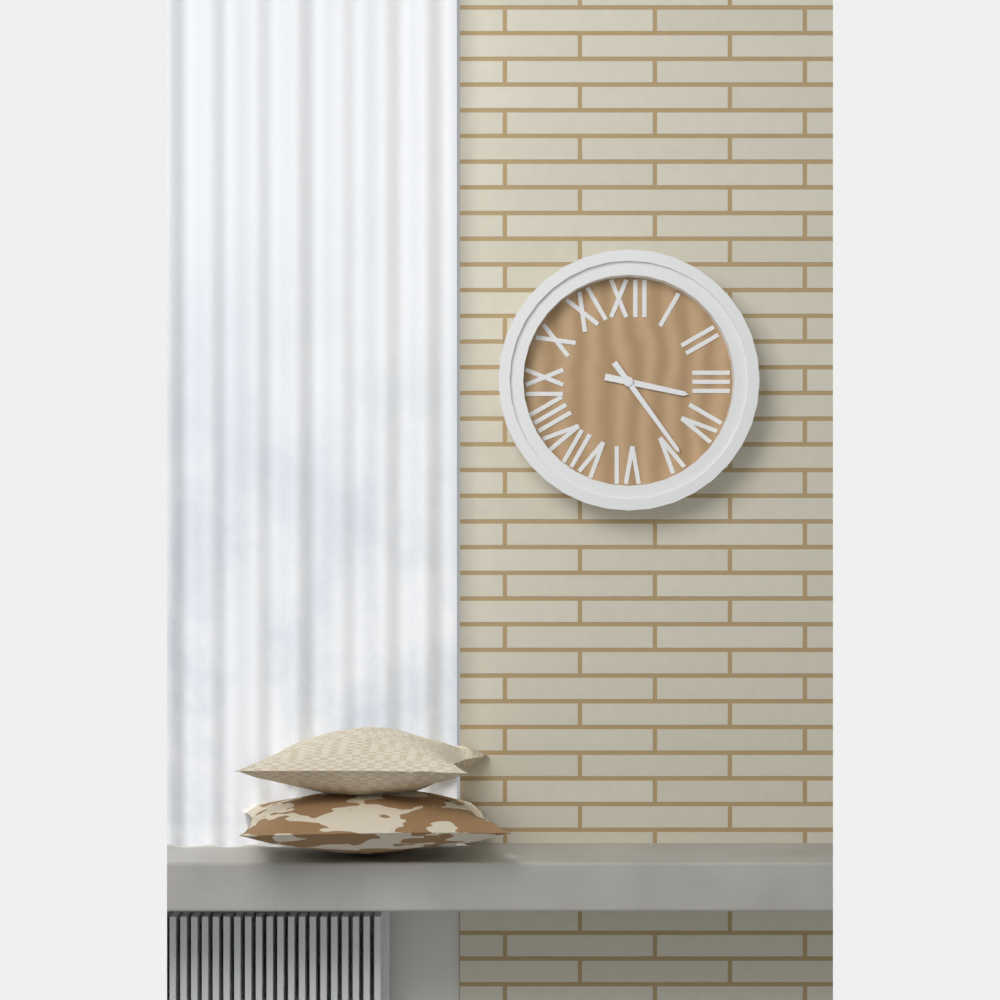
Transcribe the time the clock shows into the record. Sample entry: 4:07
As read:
3:24
